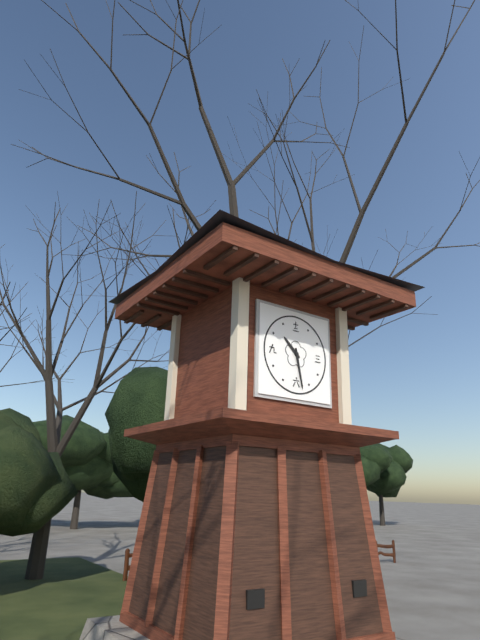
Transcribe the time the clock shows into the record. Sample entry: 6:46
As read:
10:28
